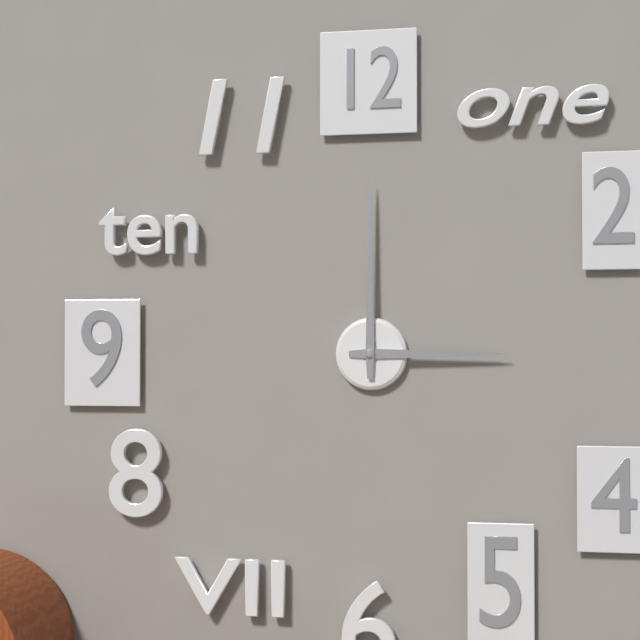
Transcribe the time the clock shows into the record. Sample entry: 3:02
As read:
3:00
